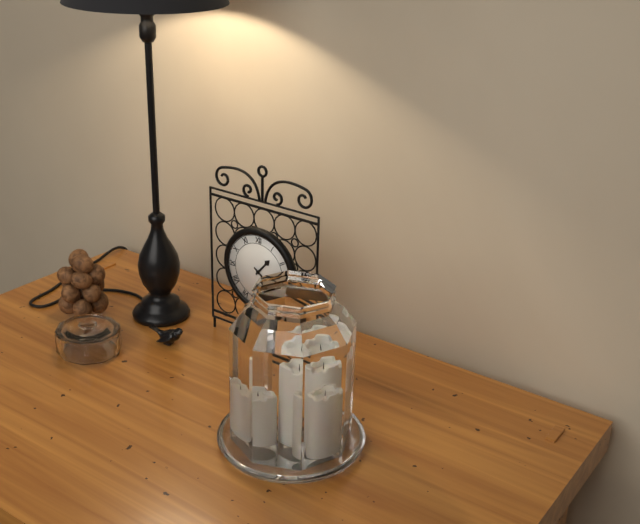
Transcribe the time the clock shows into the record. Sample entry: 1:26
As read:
1:21
